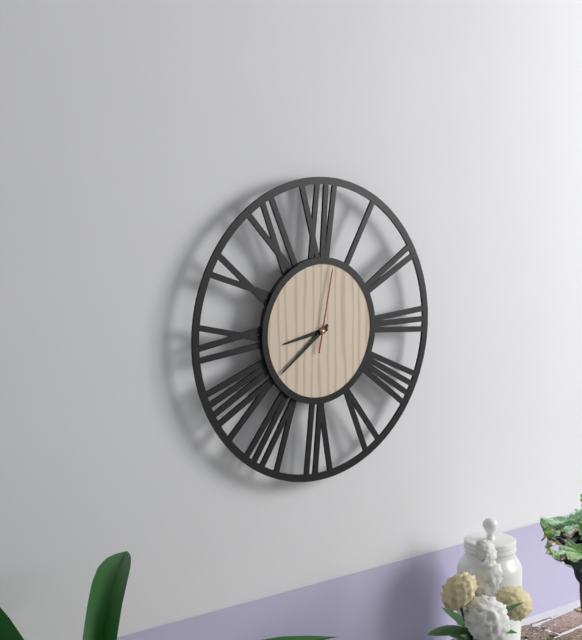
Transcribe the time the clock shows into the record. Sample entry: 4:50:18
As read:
8:39:02
